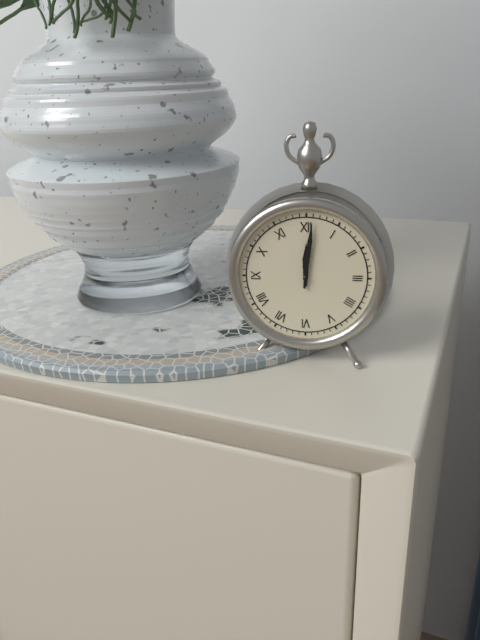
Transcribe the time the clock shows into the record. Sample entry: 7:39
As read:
12:01
